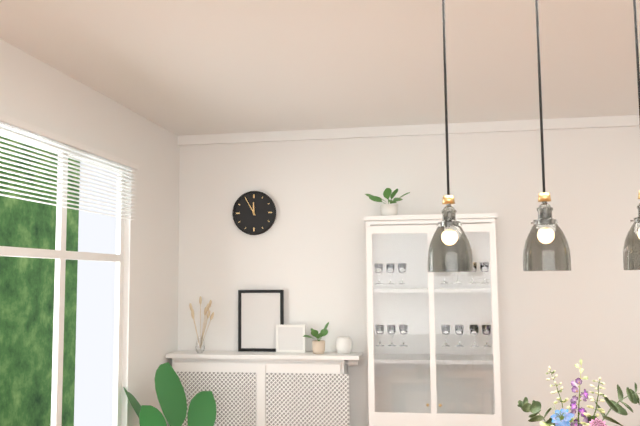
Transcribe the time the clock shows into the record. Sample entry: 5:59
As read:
11:55
